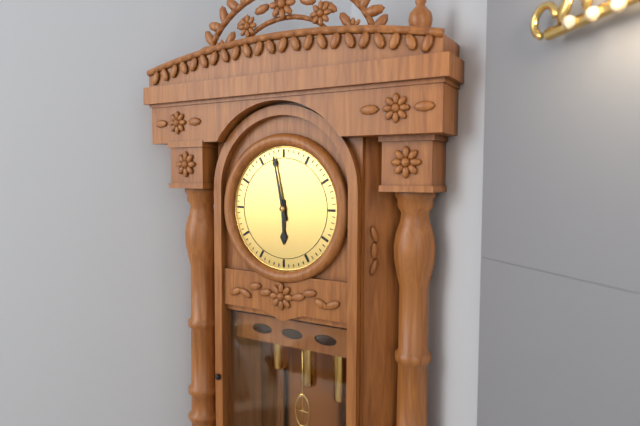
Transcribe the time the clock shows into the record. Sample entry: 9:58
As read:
5:58
